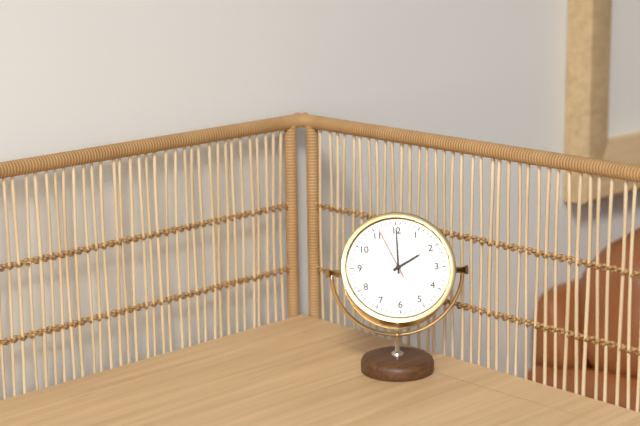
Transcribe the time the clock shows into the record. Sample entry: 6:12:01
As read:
2:00:56
